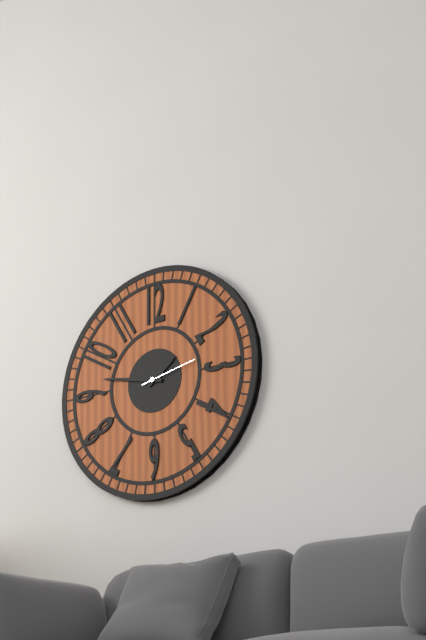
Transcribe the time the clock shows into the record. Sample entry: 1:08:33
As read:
1:47:13
